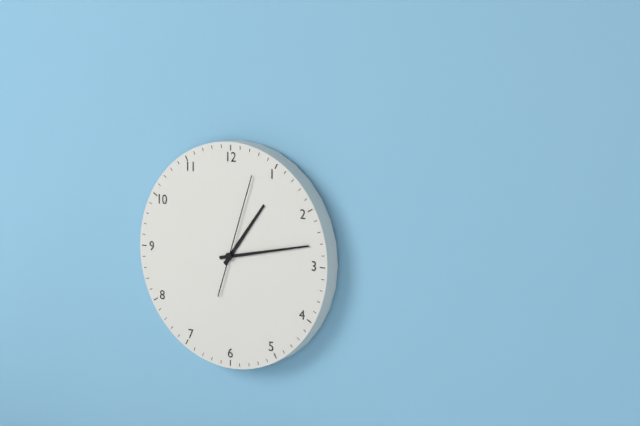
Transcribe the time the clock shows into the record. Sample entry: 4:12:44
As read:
1:13:03
